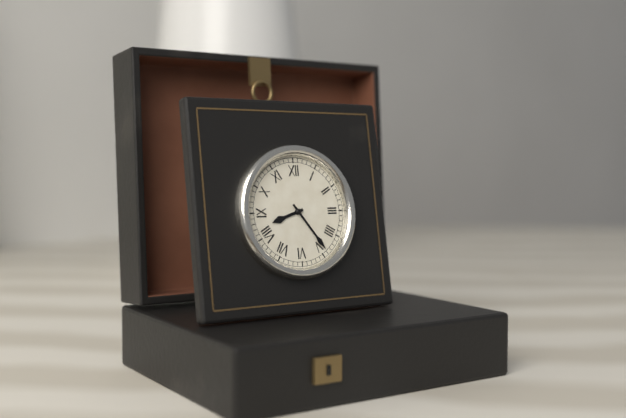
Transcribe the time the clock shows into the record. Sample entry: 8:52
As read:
8:24
